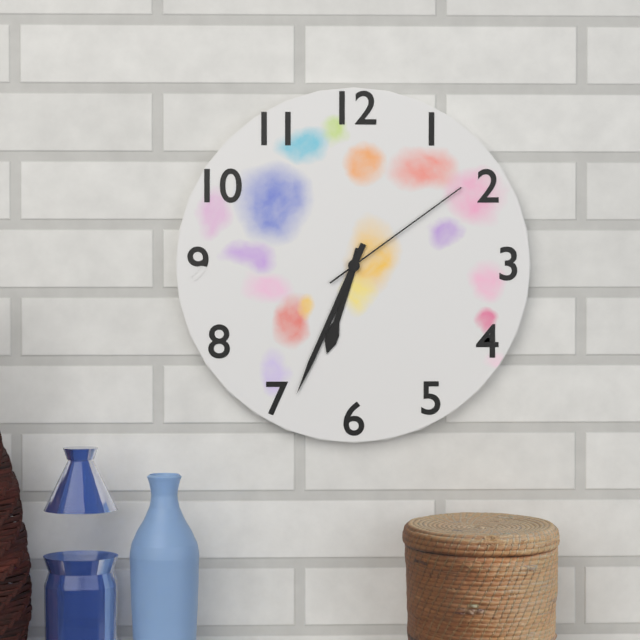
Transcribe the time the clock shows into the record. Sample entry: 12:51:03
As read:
6:34:09
